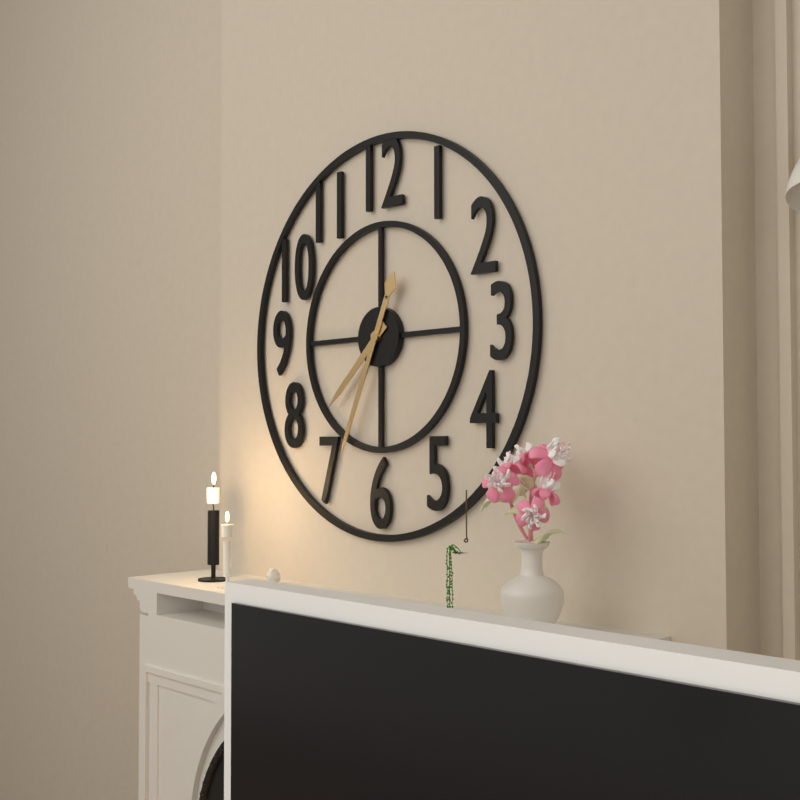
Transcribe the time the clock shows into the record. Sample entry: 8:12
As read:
7:34
